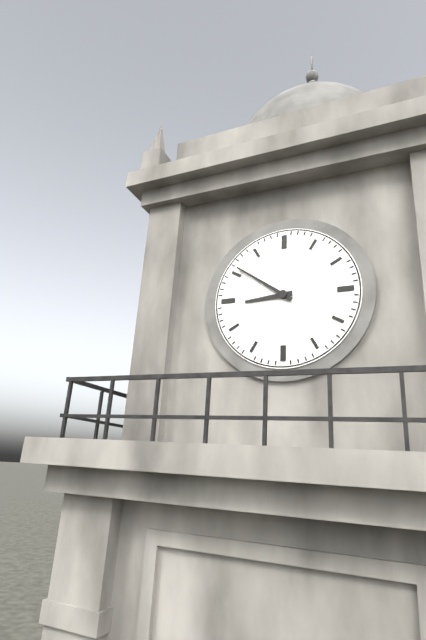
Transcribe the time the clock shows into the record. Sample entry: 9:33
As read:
8:51
